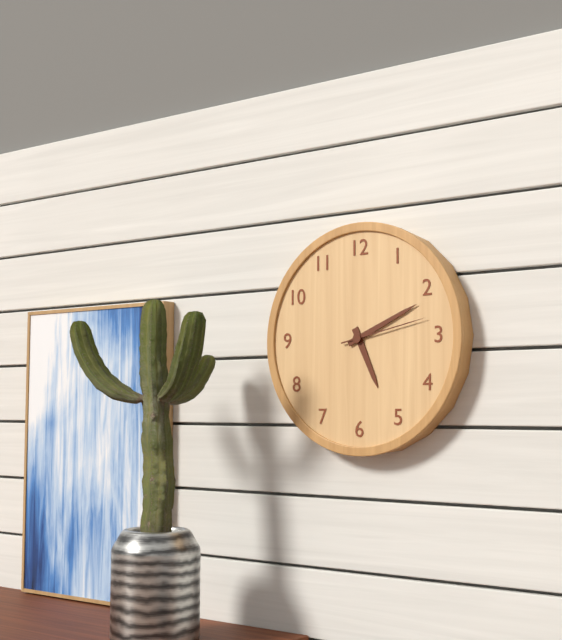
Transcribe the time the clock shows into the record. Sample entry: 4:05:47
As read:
5:11:13
